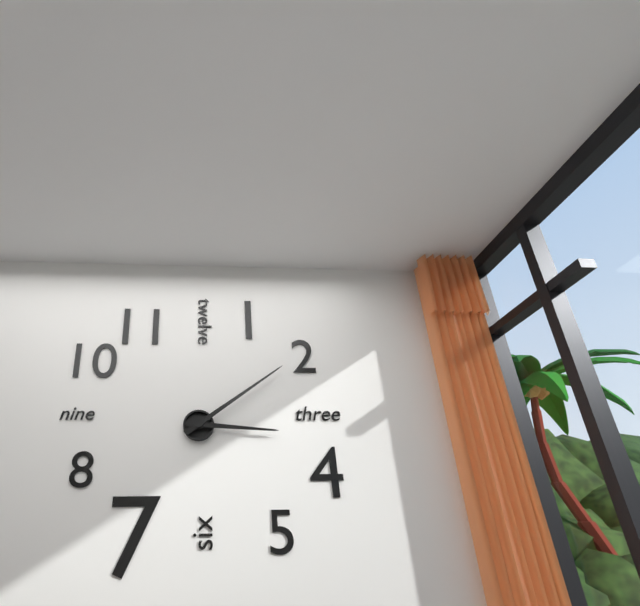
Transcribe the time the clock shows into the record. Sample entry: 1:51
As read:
3:09
